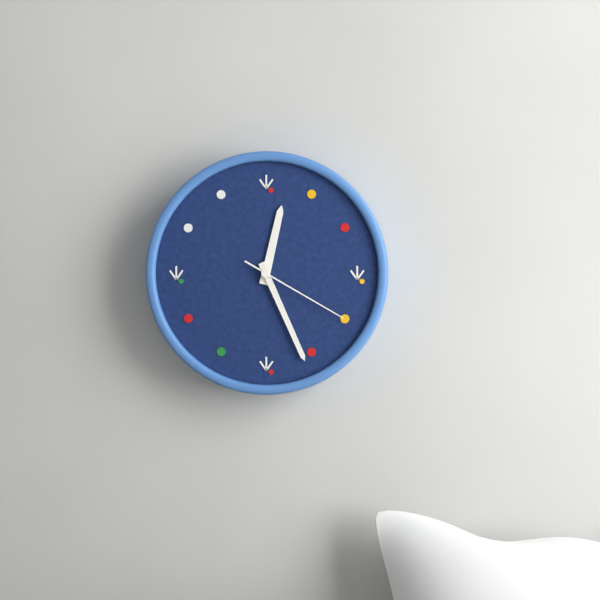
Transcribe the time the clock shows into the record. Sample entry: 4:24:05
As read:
12:26:20
